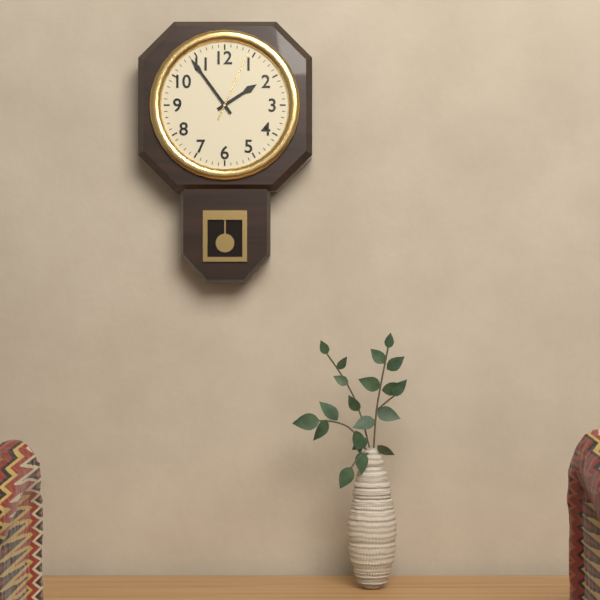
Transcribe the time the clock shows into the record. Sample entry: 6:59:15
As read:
1:54:04
